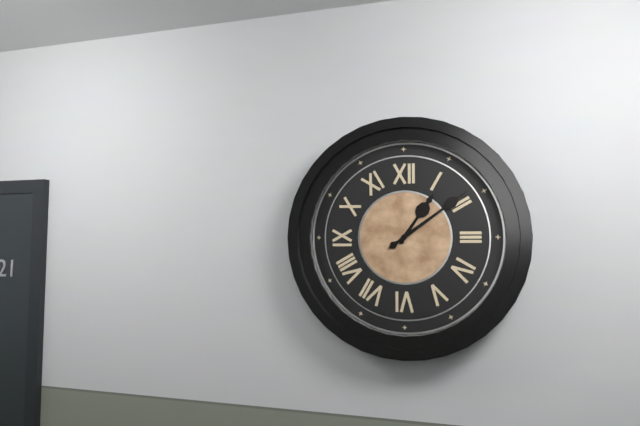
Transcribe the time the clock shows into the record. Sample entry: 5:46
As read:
1:09
